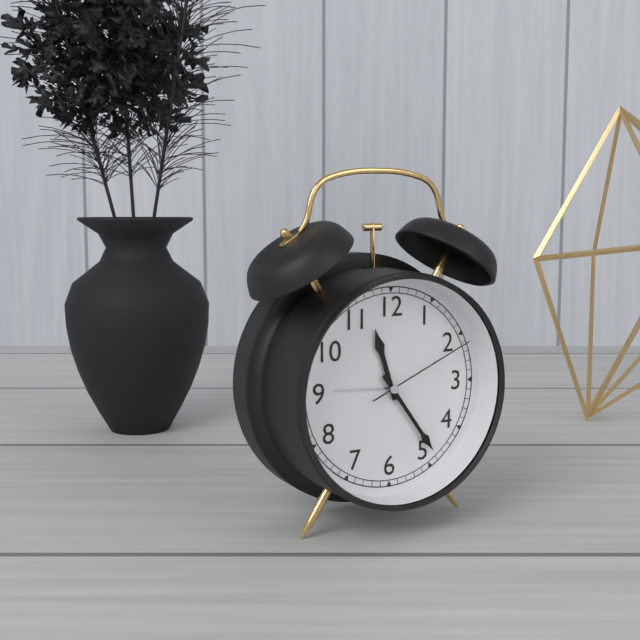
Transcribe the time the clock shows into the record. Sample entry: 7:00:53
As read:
11:24:11
